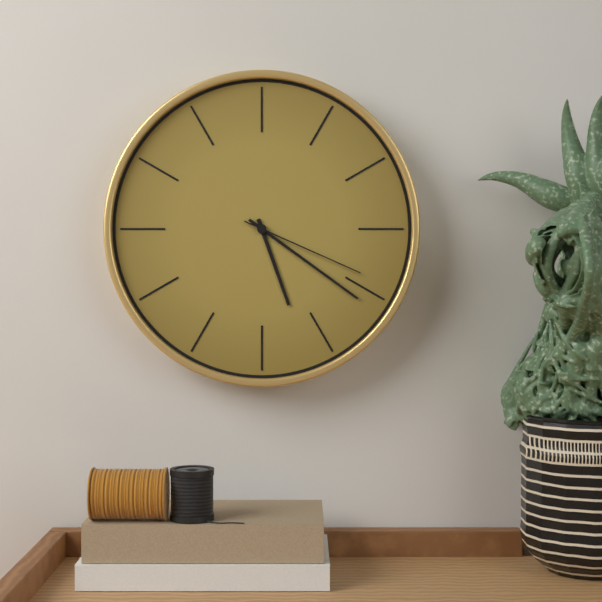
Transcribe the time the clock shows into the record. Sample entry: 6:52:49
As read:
5:21:19
